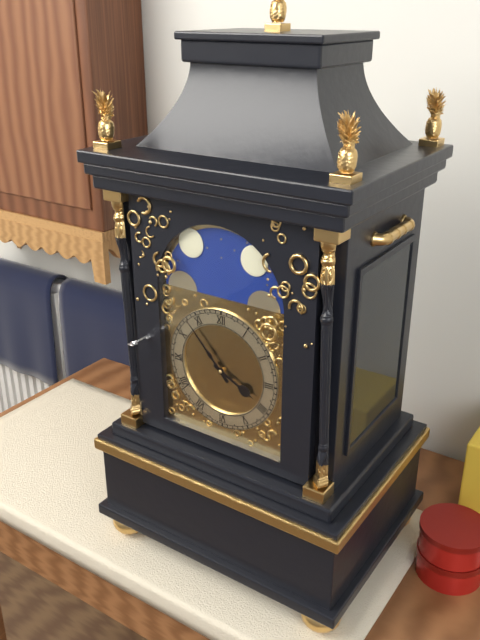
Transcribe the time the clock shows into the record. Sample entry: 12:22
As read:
3:53
